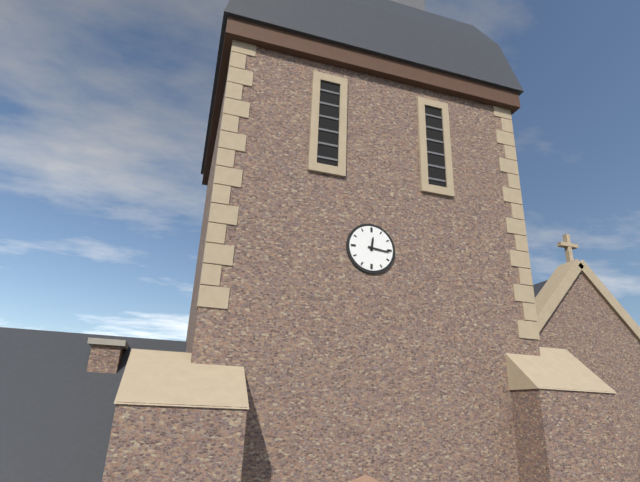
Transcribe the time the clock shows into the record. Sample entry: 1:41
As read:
12:16
